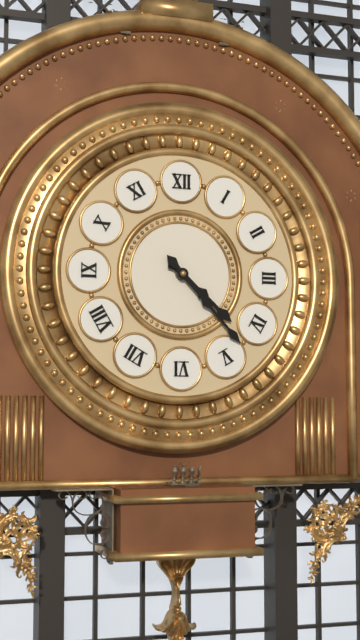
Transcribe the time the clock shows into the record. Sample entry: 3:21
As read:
4:23
